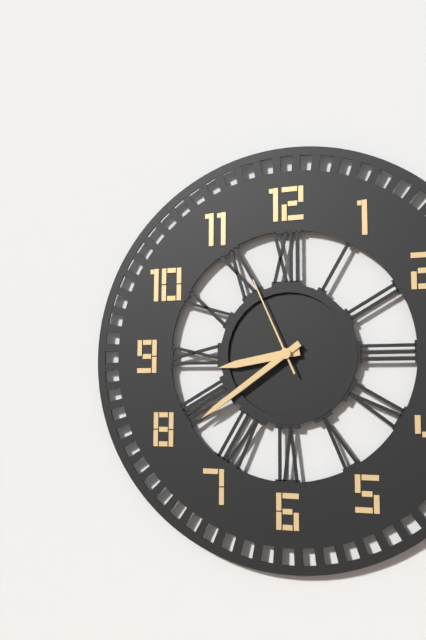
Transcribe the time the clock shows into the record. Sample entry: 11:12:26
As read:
8:39:56
